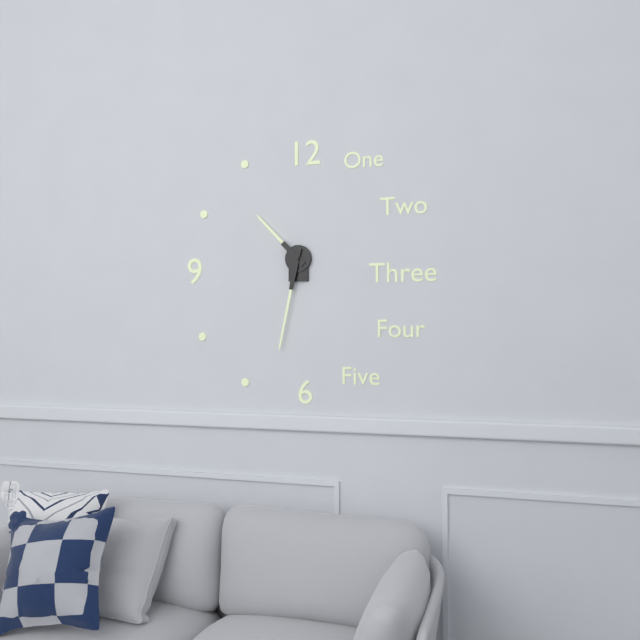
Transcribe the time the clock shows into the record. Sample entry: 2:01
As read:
10:32
